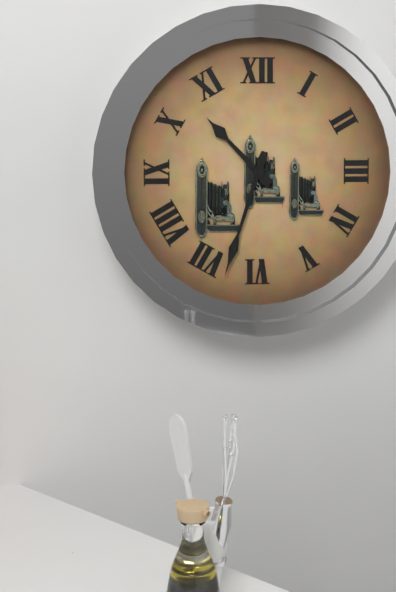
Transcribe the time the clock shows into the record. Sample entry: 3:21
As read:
10:33
